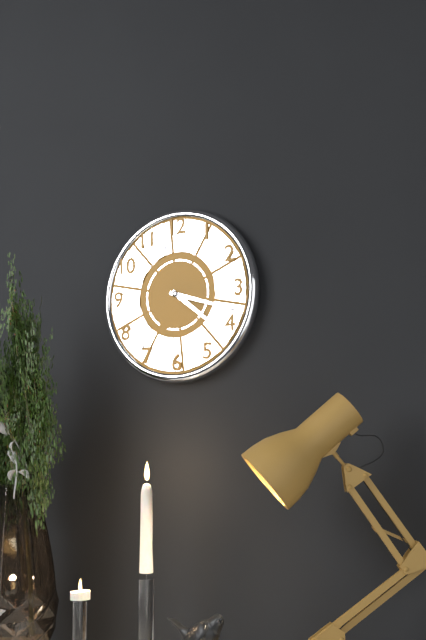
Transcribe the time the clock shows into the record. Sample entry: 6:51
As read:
4:18
